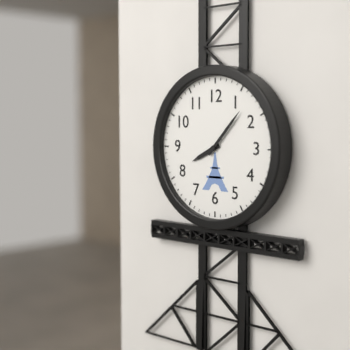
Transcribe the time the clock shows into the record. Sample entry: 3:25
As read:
8:07
